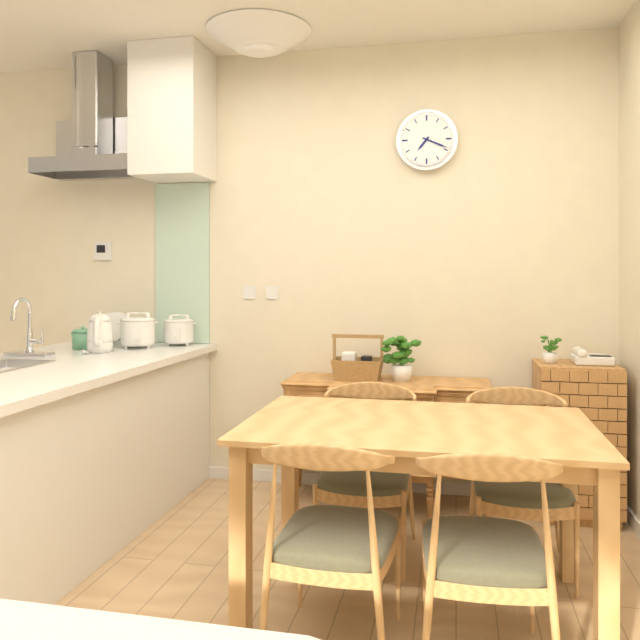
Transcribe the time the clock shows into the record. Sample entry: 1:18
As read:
7:19
